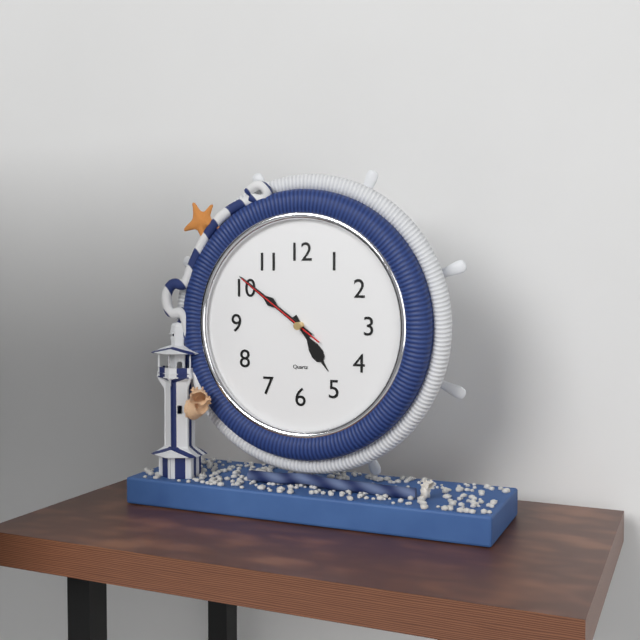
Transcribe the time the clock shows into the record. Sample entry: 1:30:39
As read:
4:51:51
